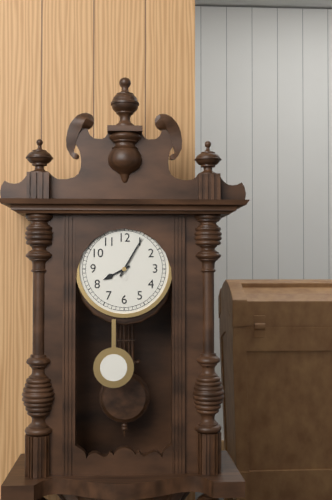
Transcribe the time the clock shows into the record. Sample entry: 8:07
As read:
8:05
